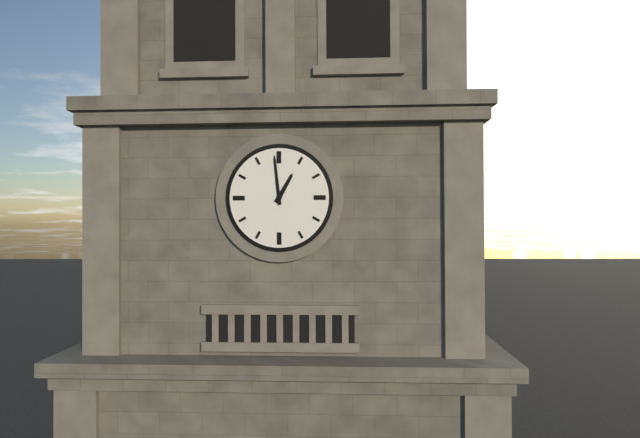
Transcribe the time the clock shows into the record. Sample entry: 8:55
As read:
12:59
